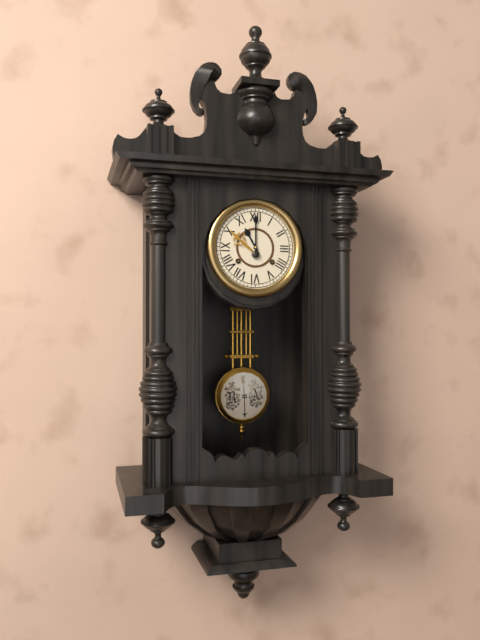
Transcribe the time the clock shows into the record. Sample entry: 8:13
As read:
11:00
